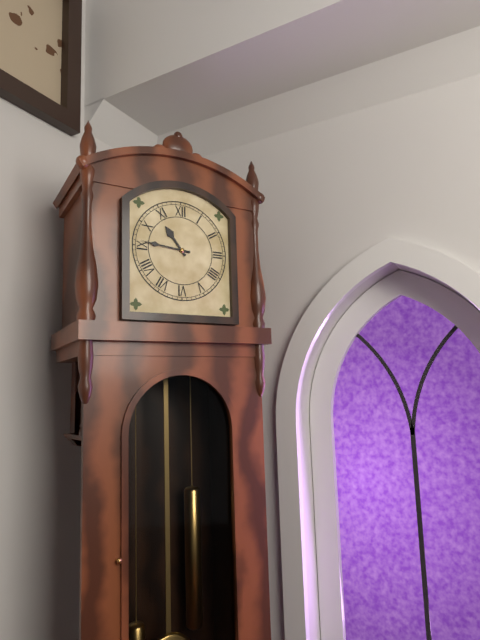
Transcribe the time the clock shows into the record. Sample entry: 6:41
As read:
10:46
